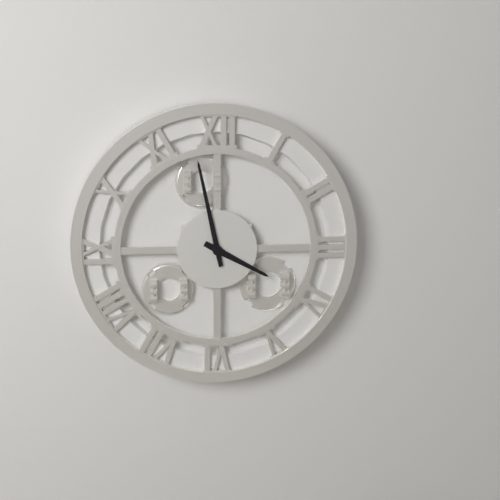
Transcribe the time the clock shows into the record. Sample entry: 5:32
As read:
3:58
